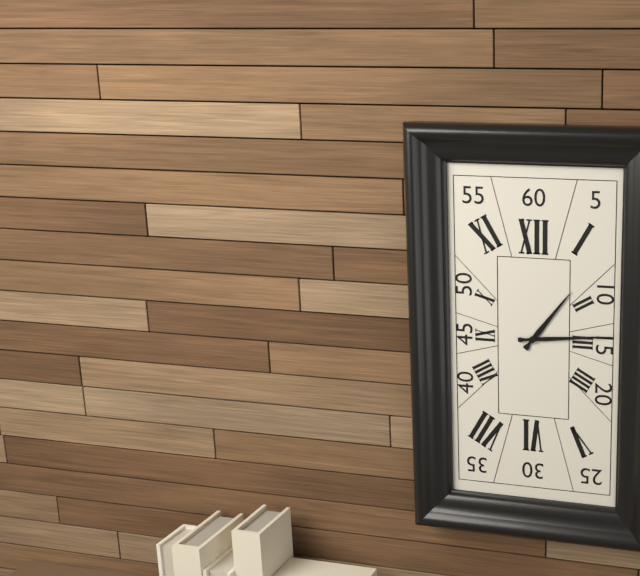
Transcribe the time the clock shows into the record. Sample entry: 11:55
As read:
1:14
